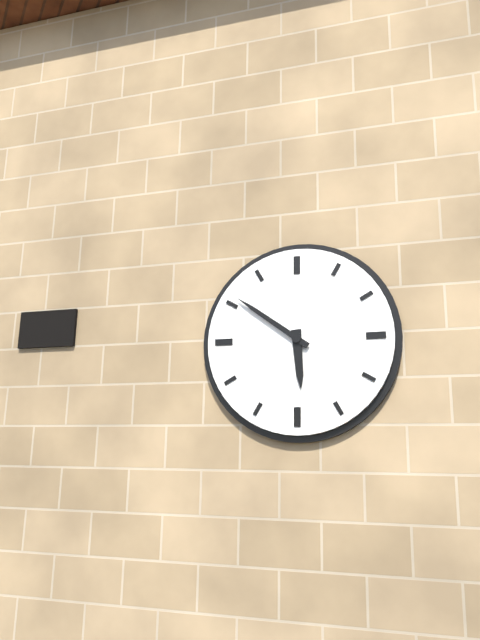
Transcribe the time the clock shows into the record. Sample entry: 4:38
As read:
5:51
